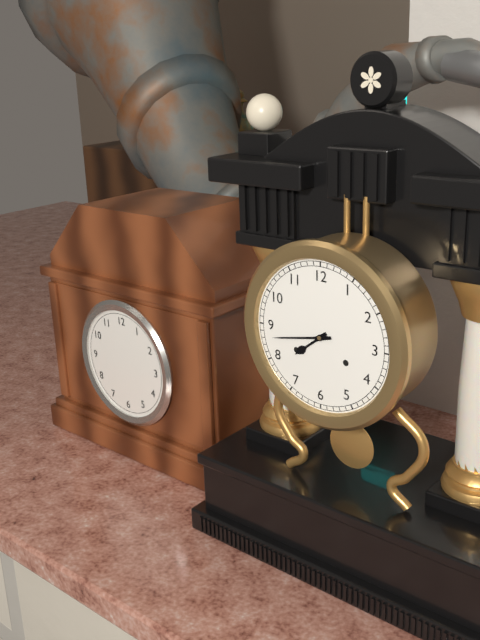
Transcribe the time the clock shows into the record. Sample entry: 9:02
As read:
7:43
